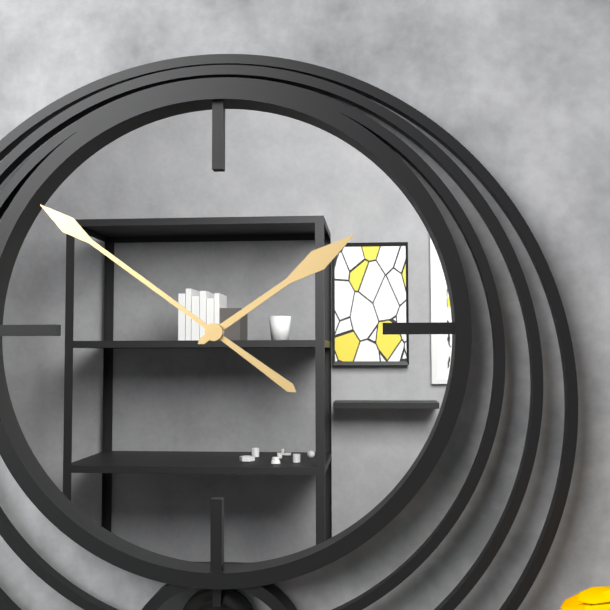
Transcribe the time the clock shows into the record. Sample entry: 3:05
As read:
1:51
